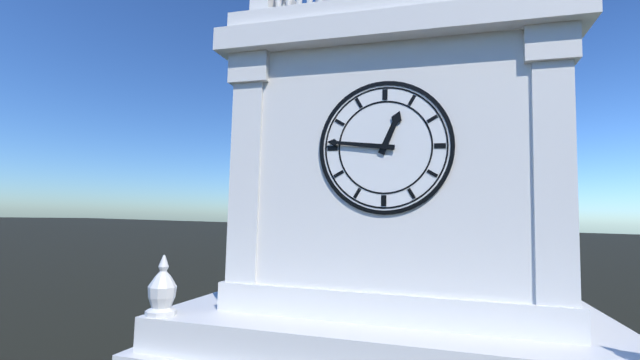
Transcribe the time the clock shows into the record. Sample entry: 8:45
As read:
12:46
